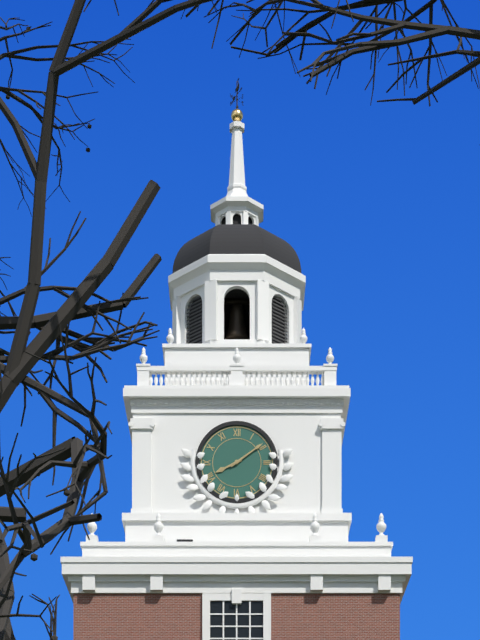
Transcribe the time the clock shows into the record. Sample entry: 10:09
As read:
8:09
